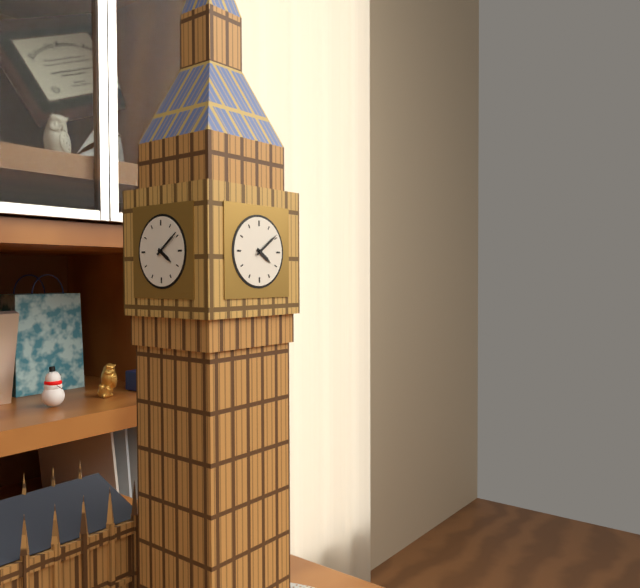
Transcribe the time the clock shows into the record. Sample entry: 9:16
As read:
4:09
